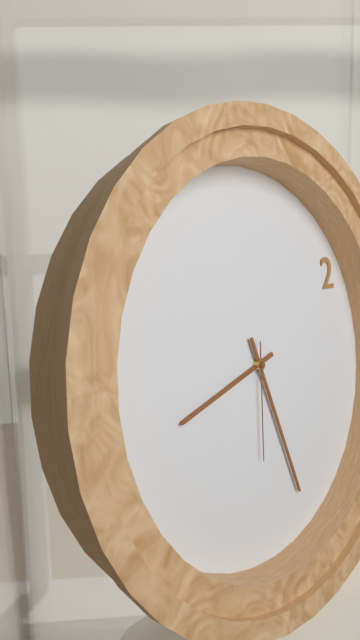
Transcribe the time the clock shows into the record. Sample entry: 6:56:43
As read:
8:27:31
